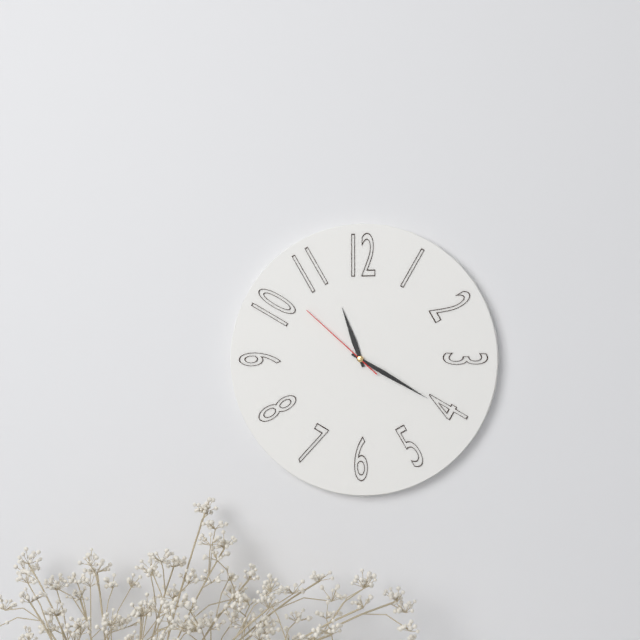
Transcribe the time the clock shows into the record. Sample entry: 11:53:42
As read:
11:20:52
